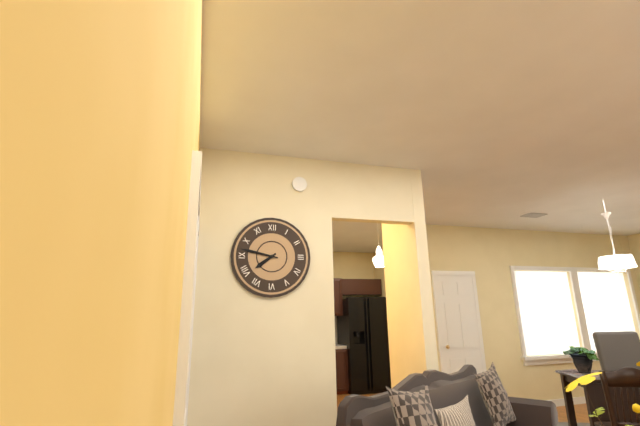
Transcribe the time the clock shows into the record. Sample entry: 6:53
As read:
7:47
